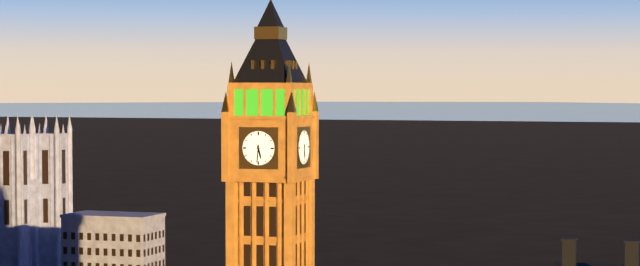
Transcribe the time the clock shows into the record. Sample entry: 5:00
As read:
5:31
